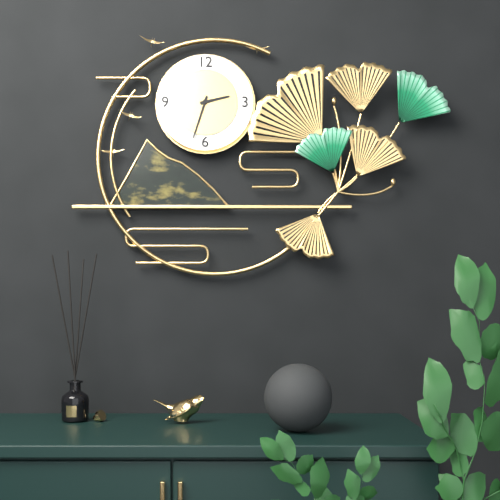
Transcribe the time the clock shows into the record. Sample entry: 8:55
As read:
2:33
